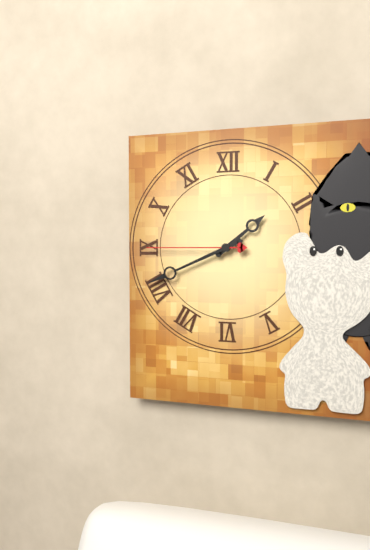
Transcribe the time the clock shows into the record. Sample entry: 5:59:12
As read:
1:41:45
